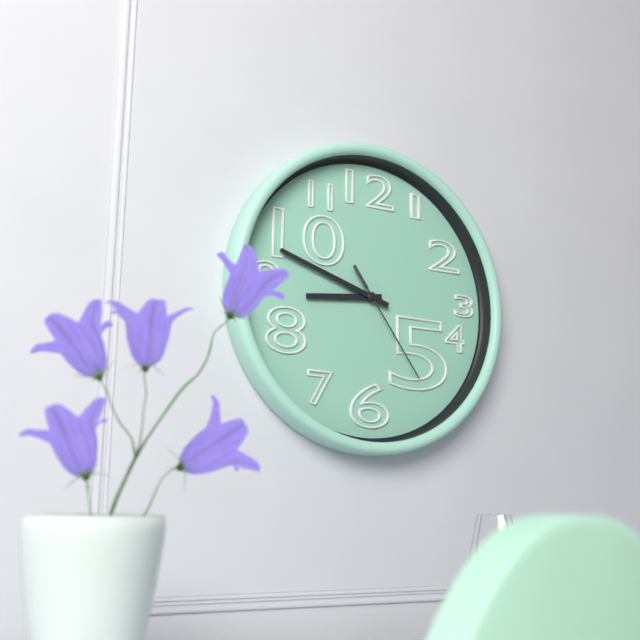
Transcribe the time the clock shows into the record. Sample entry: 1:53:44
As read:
8:48:24
